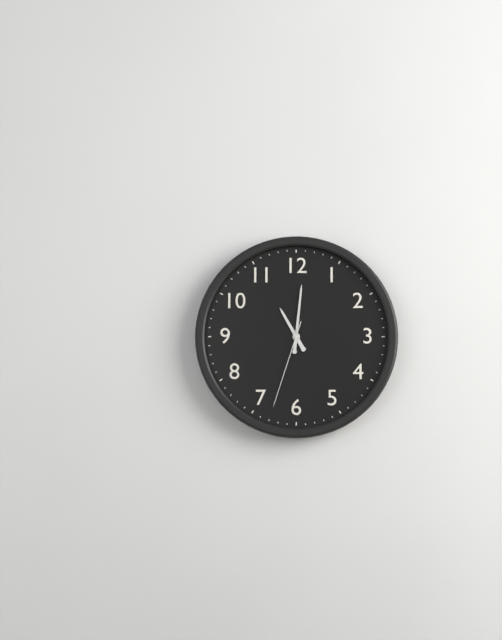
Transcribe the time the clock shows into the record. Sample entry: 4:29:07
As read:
11:01:33
